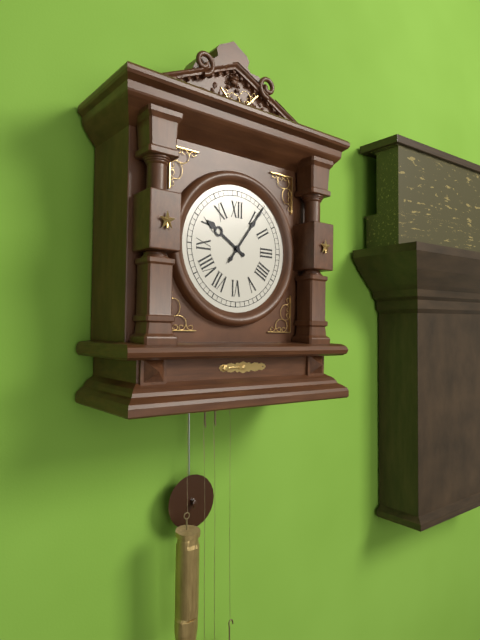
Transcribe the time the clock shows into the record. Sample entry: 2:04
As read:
10:06
